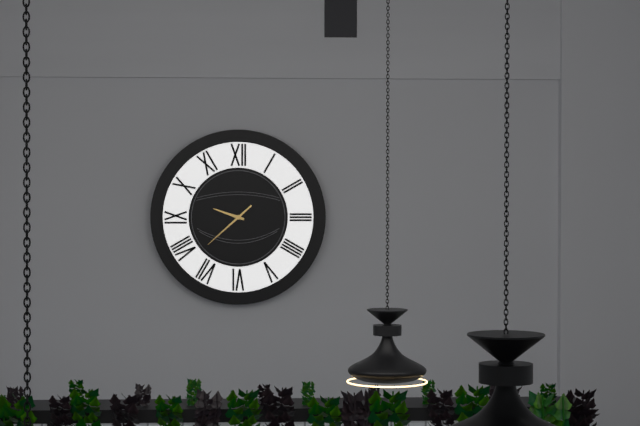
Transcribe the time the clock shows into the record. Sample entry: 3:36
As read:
9:38
